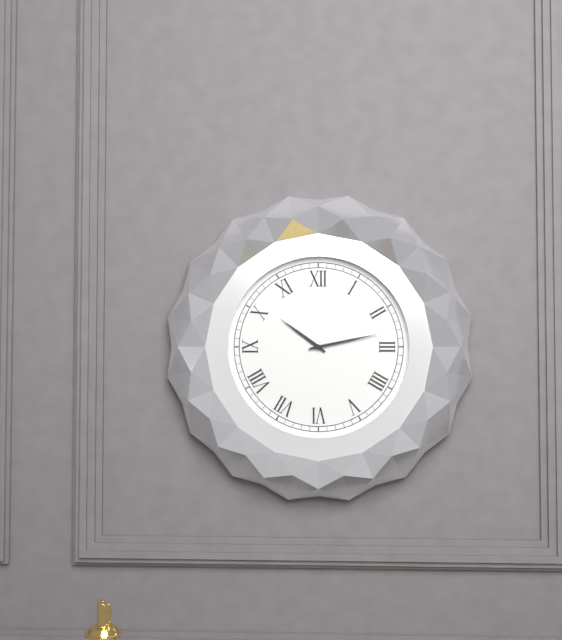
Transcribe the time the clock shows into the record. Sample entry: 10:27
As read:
10:13
